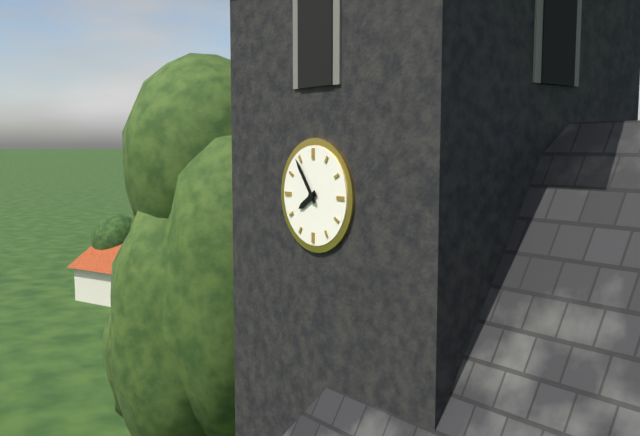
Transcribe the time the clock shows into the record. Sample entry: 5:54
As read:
7:54
